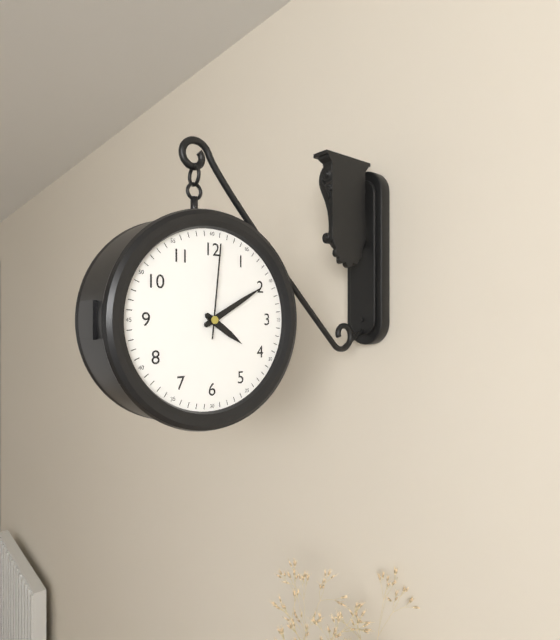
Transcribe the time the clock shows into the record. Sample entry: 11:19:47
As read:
4:10:01
